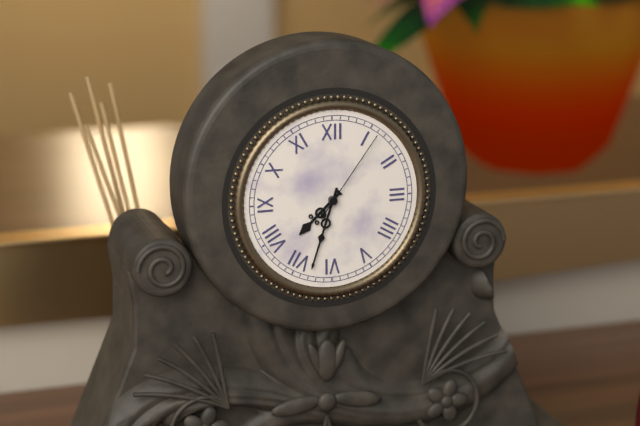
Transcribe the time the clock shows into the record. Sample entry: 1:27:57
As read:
7:33:06
